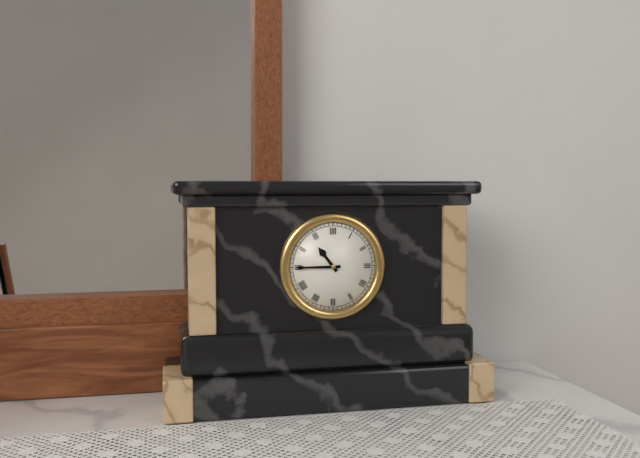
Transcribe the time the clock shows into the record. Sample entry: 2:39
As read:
10:45
